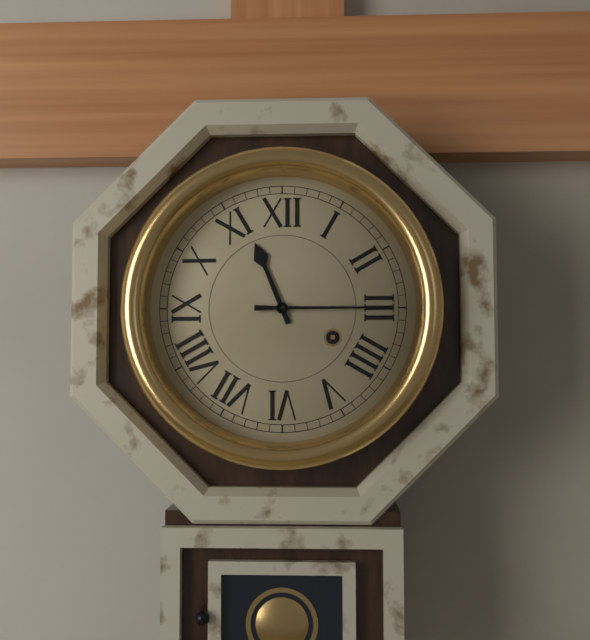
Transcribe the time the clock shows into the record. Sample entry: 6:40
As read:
11:15
